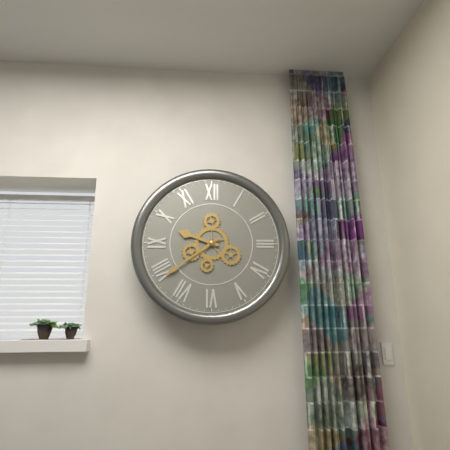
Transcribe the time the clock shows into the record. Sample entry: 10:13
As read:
9:39
